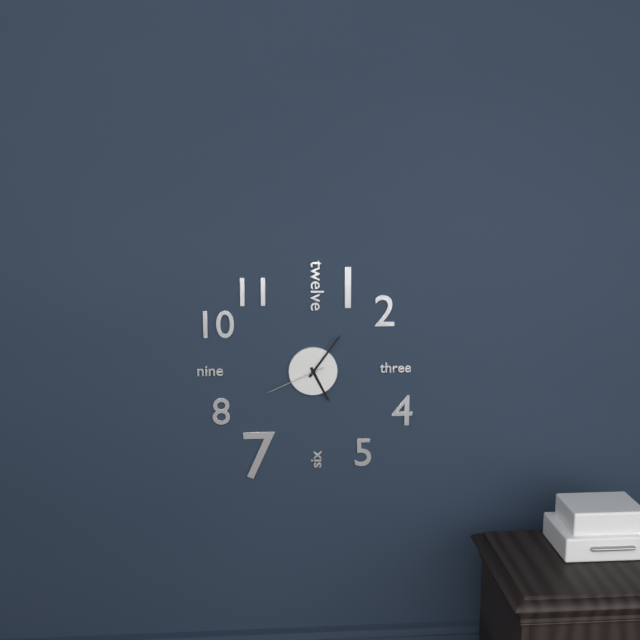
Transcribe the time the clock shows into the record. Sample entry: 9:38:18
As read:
5:06:41
